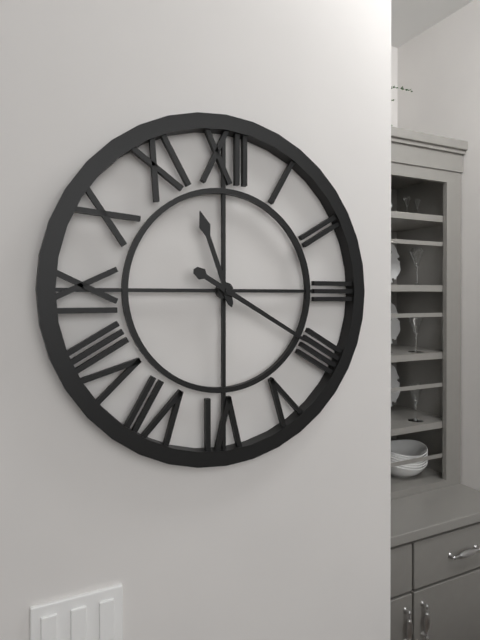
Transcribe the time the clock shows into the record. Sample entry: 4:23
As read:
11:20
